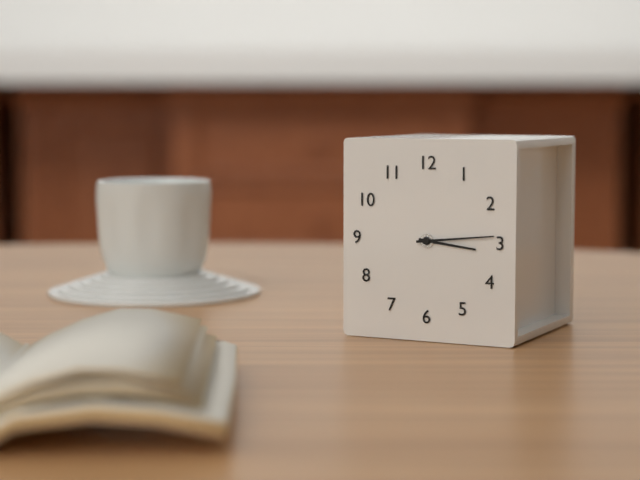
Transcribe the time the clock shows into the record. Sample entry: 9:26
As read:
3:14
